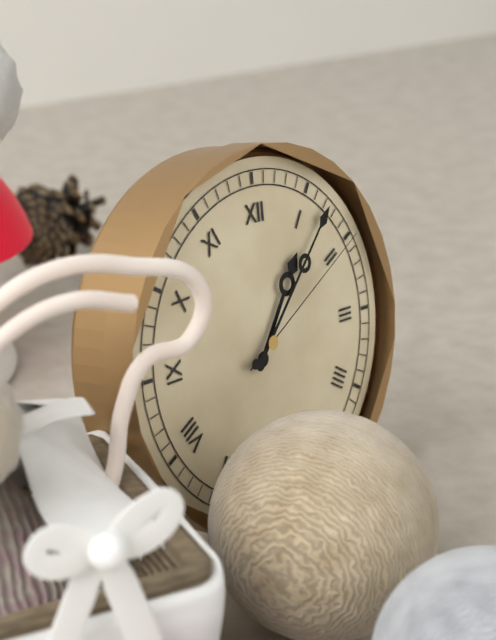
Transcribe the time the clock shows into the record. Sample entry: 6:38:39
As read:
1:07:10
